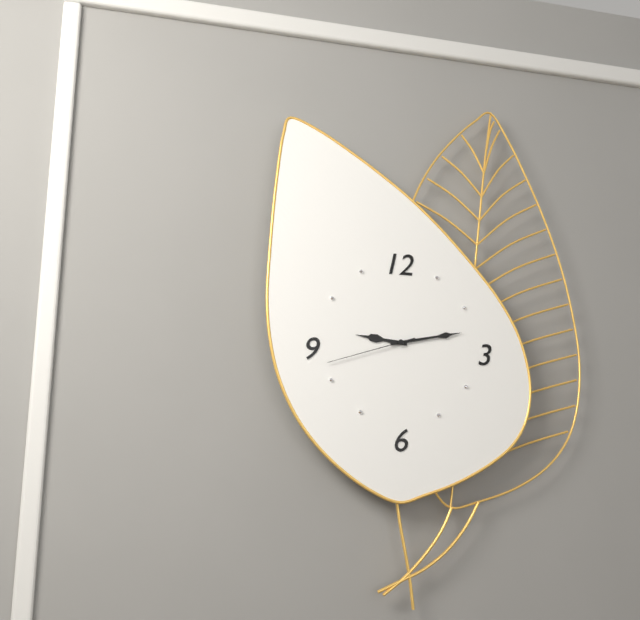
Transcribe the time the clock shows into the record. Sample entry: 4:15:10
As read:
9:13:42
